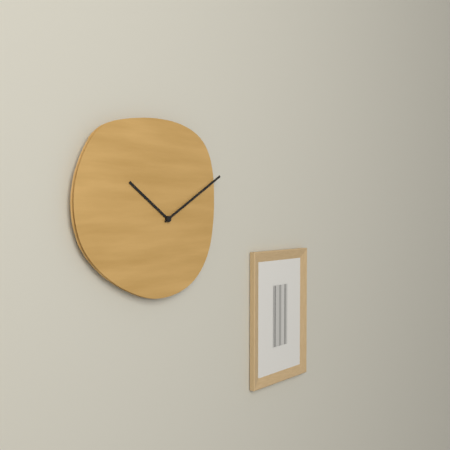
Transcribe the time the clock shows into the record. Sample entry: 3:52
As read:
10:10
